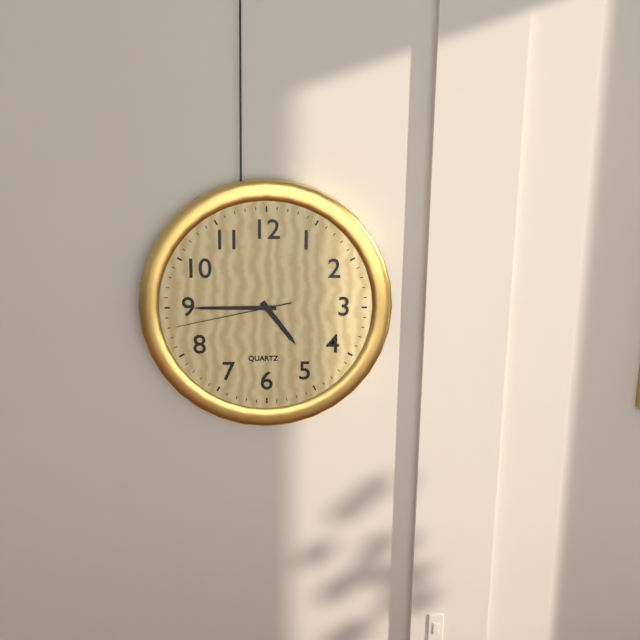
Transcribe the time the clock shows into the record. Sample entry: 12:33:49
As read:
4:45:43
